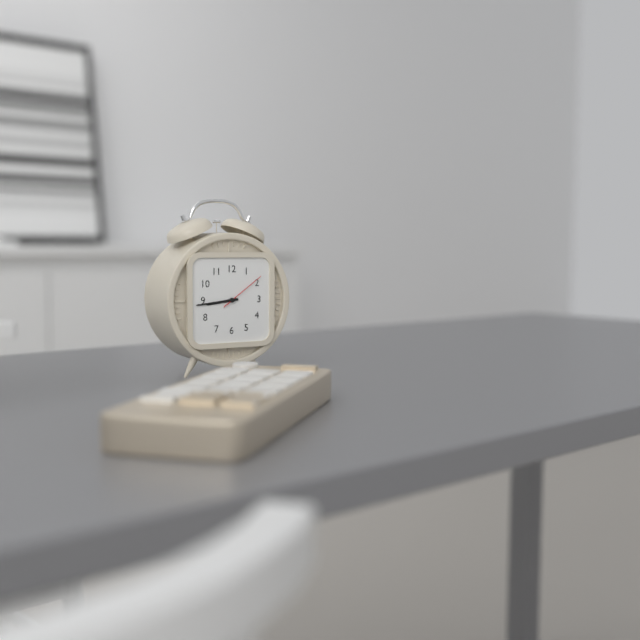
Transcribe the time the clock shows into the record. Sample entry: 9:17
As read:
8:44
